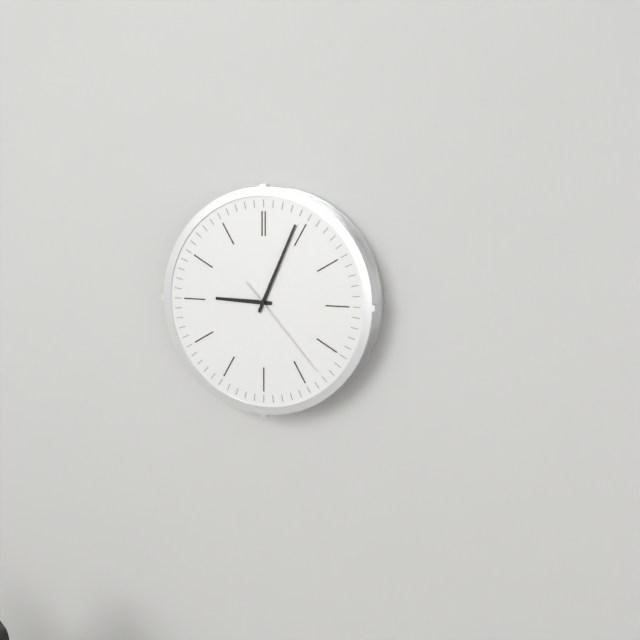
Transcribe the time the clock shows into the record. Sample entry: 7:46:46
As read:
9:04:23
